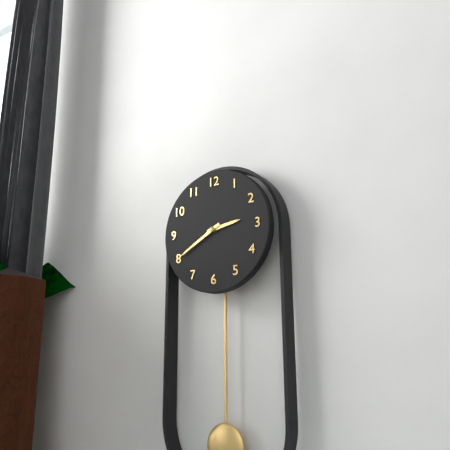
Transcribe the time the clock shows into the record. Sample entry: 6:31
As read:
2:40
